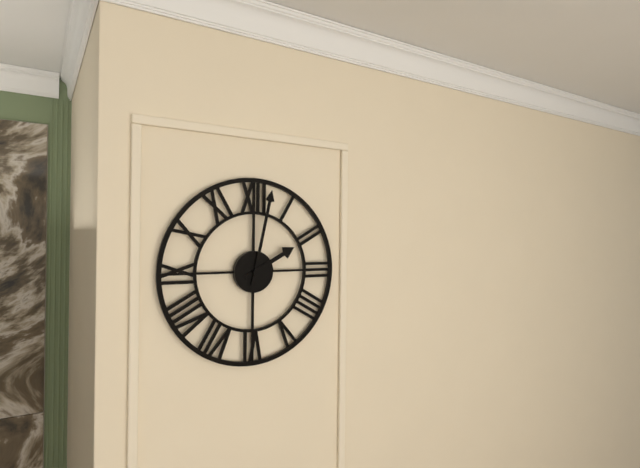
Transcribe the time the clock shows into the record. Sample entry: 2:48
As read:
2:02
